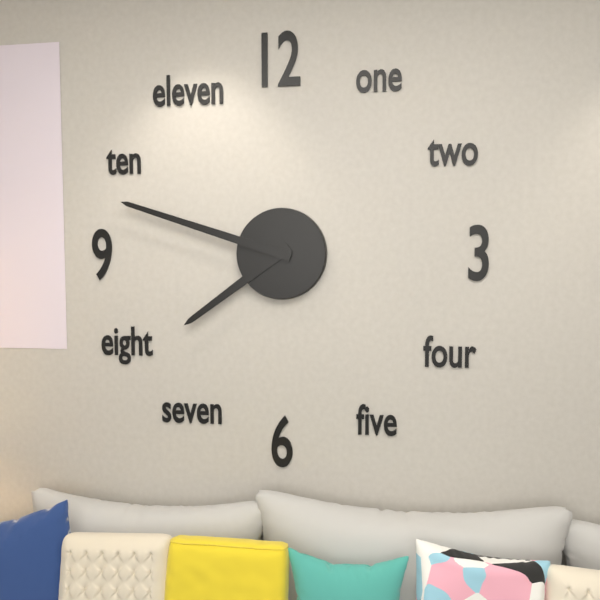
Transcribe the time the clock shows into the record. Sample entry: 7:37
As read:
7:48
